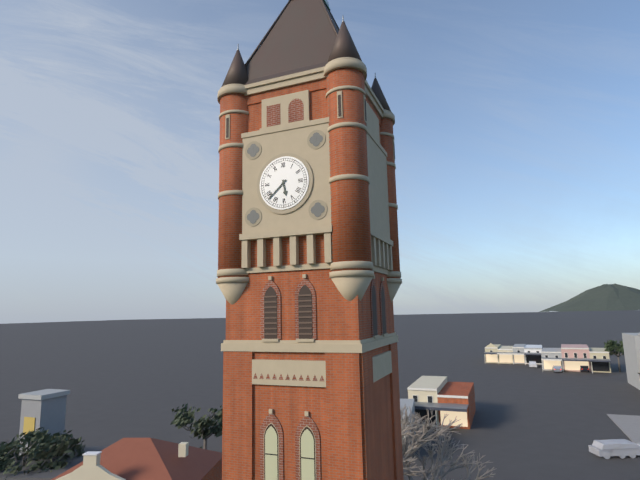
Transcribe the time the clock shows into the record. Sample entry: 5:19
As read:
5:38
